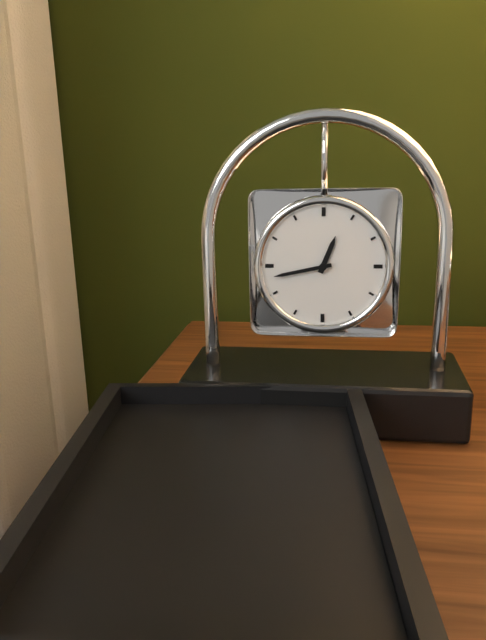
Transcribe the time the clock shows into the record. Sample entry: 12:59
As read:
12:43
